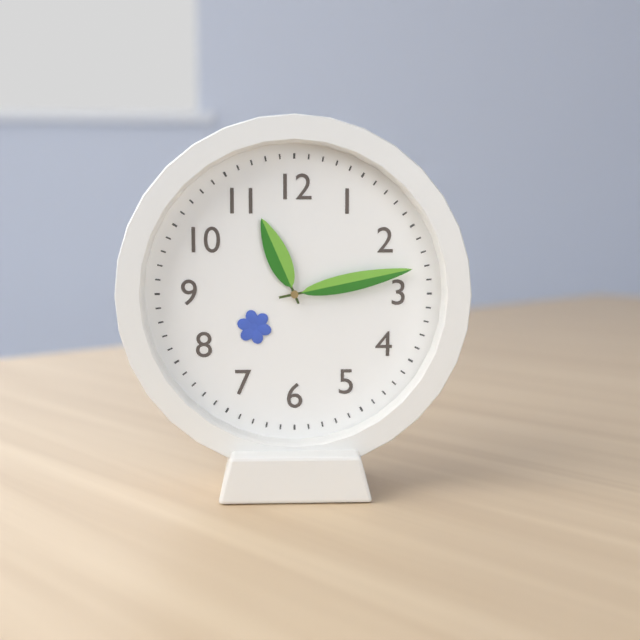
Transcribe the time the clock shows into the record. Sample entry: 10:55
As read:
11:13
